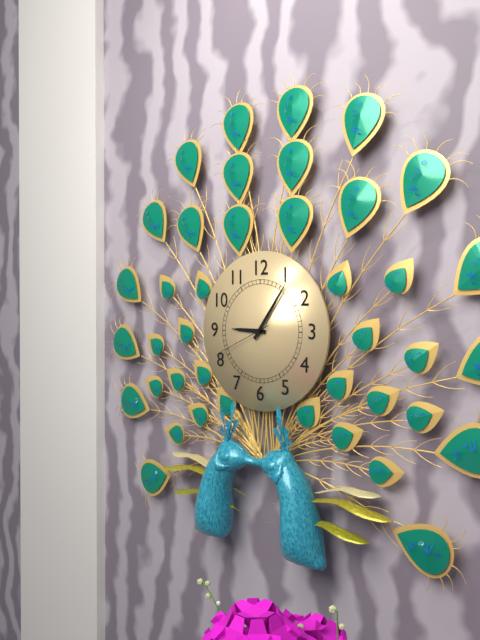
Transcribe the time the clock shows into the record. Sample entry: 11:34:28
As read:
9:06:41
